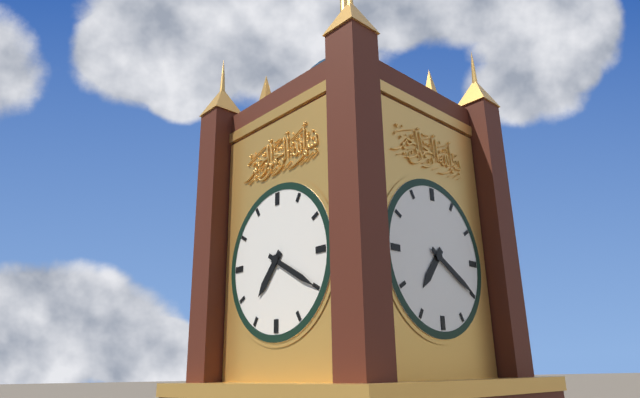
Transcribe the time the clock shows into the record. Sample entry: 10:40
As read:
7:20
